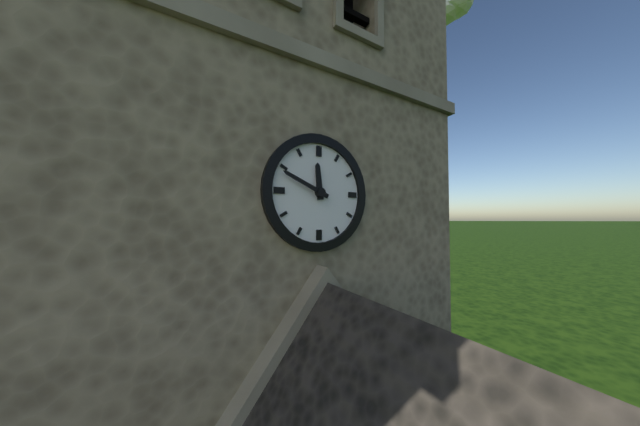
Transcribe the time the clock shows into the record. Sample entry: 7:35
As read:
11:49
